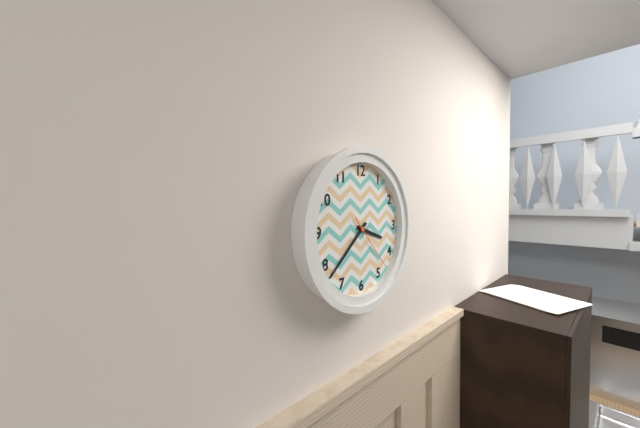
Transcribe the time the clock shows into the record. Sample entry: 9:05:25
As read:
3:38:23
